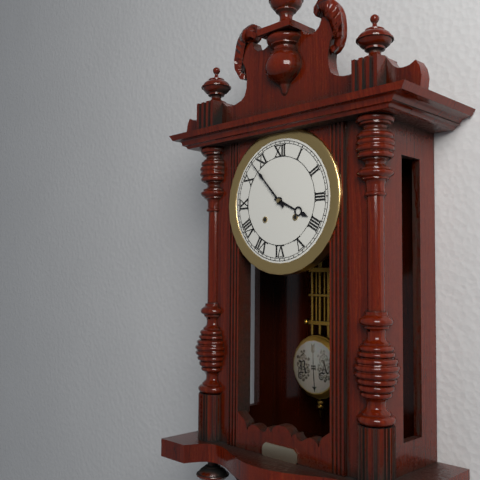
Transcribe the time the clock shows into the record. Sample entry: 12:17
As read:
3:53
